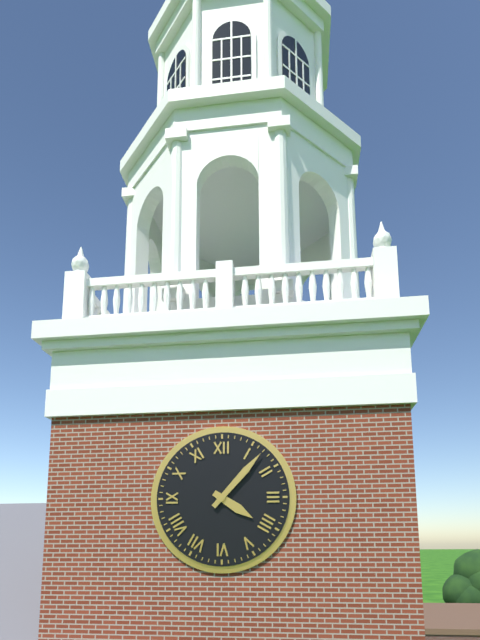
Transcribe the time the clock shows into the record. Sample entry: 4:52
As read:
4:07
